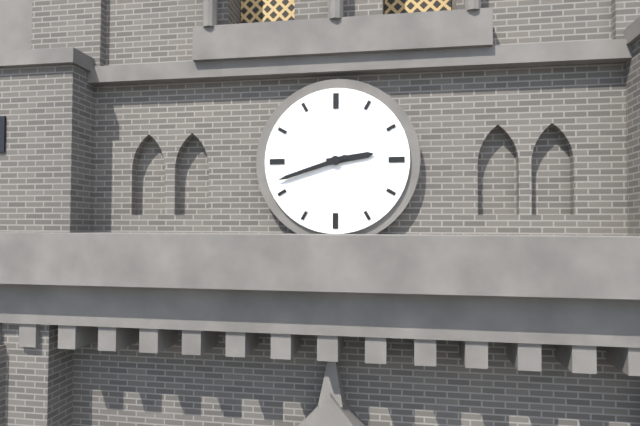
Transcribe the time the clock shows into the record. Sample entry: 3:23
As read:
2:42
